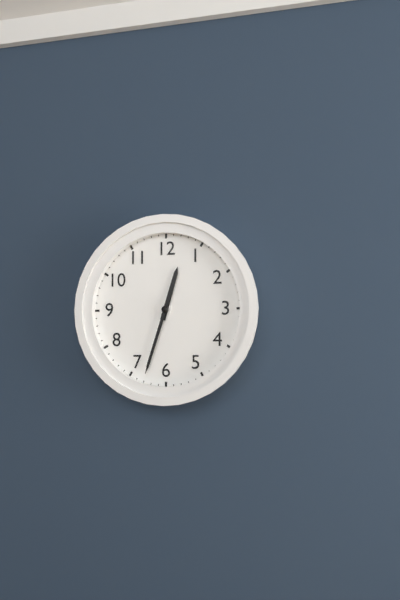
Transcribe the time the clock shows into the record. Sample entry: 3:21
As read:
12:33
